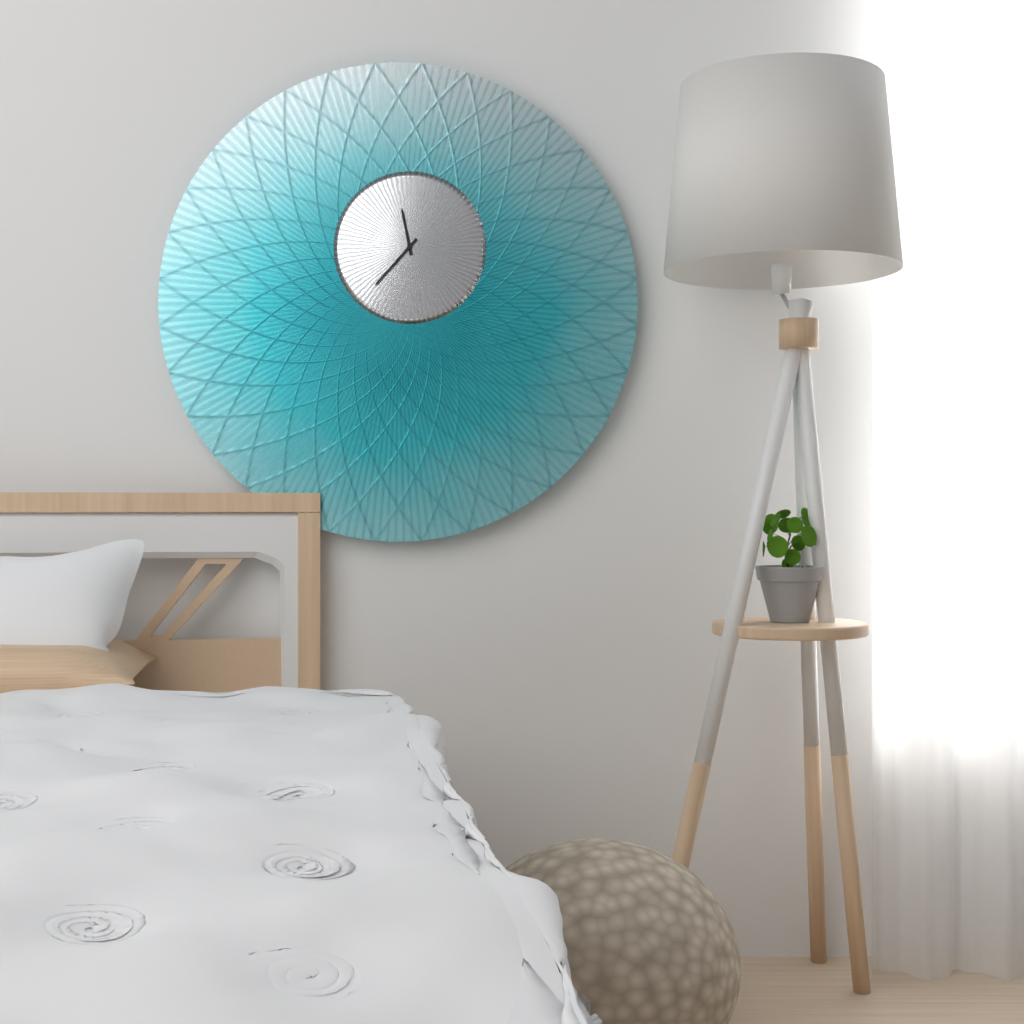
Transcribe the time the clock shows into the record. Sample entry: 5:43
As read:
11:37
